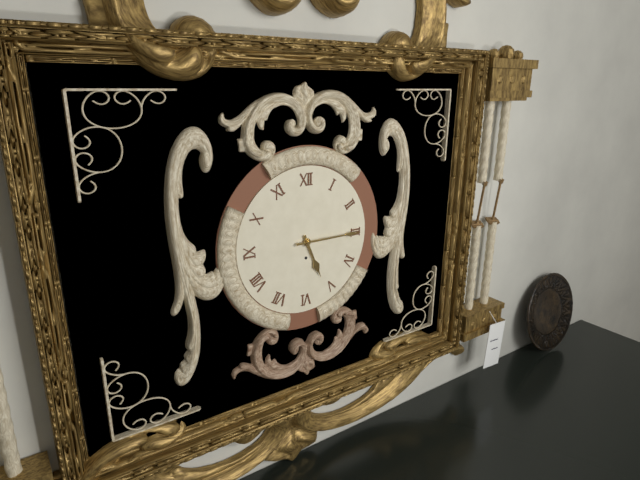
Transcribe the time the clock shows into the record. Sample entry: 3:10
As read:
5:15
